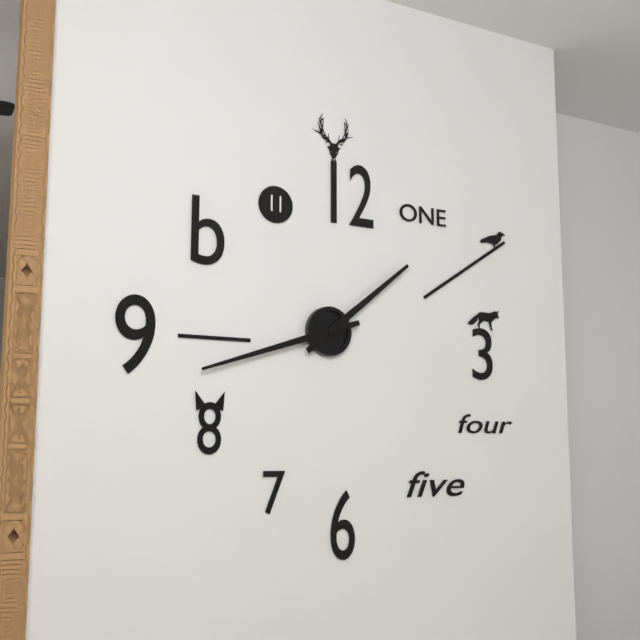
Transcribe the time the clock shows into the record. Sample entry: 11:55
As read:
1:42
